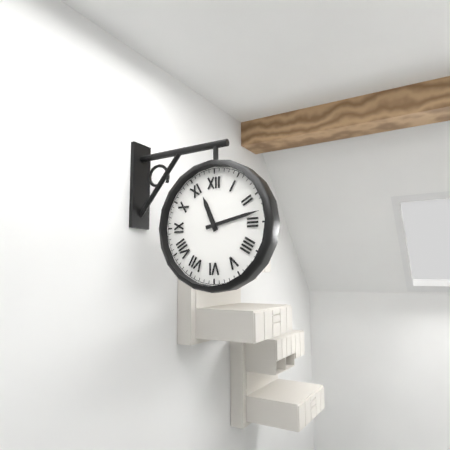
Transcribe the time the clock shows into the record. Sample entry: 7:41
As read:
11:13
